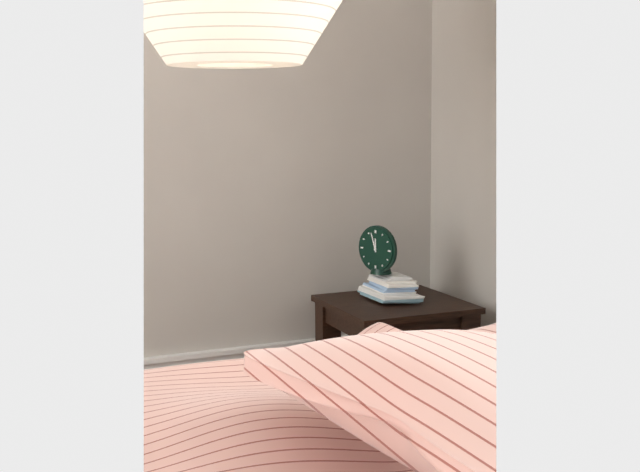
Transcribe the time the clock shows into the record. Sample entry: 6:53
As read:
11:57
